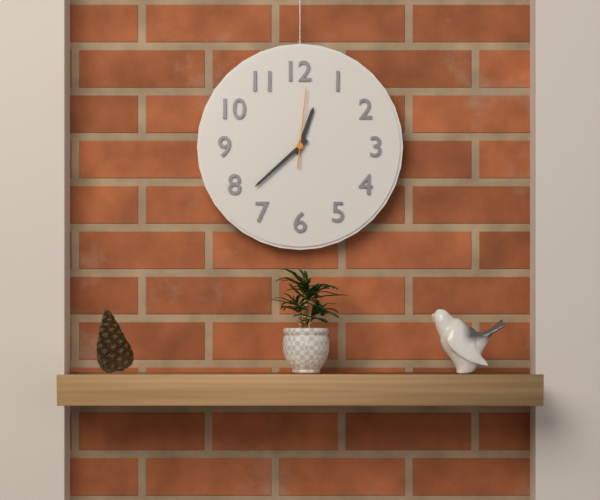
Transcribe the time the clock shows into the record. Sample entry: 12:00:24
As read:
12:38:01
